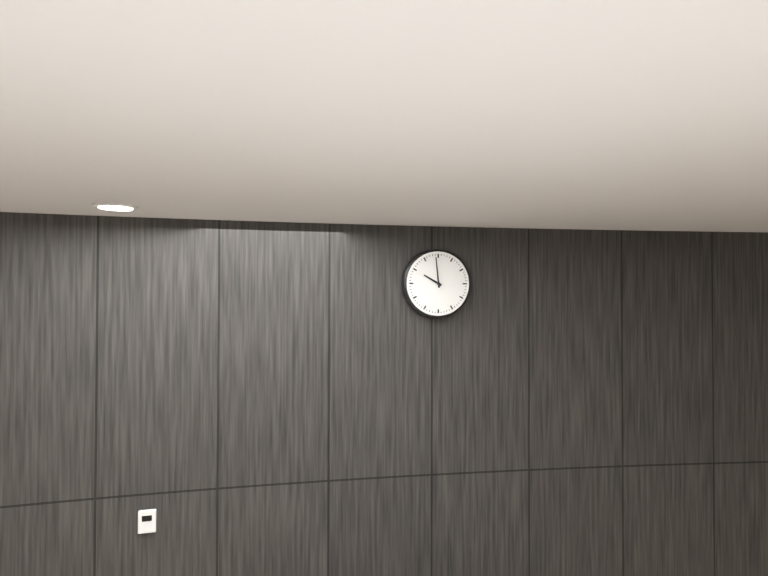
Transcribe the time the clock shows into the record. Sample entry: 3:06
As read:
9:59
